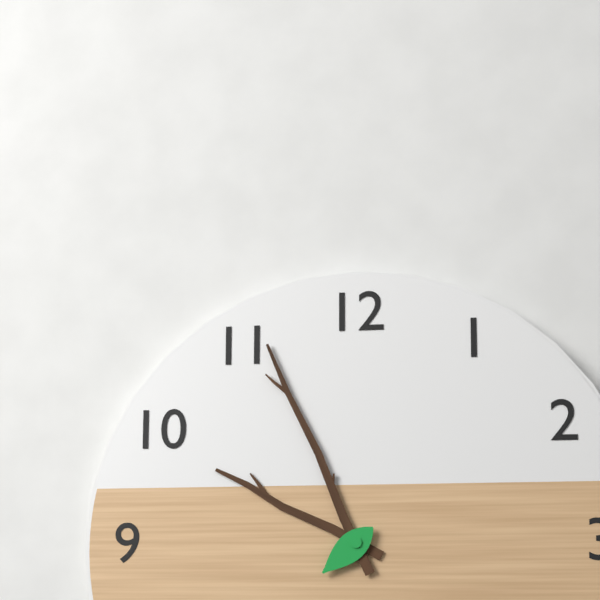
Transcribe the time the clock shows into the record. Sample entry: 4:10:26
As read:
9:56:38
